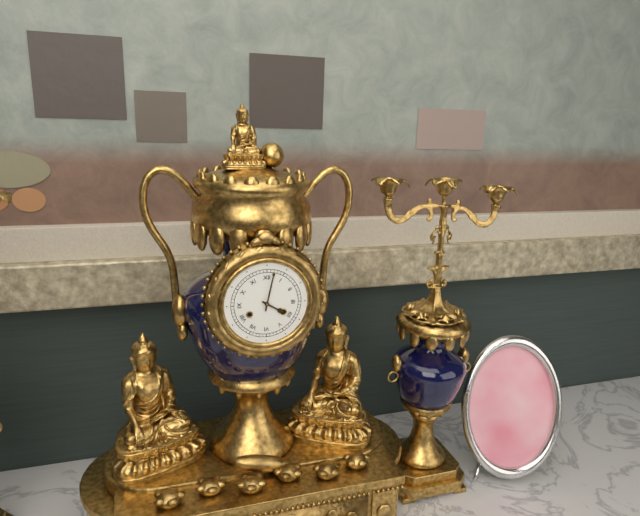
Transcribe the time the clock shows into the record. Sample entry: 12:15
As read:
4:02
